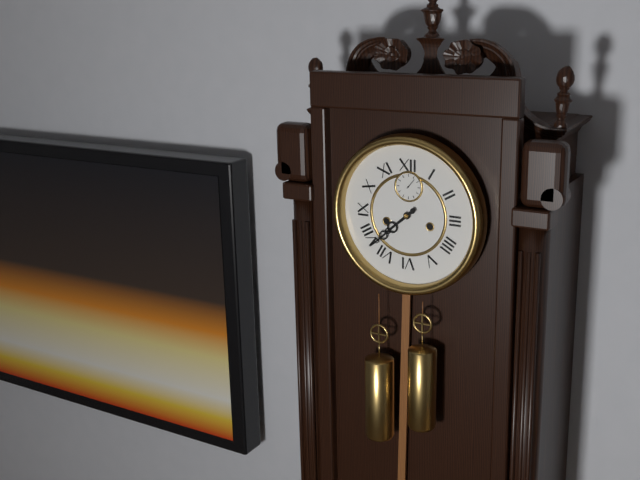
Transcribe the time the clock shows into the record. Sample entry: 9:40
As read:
7:38
